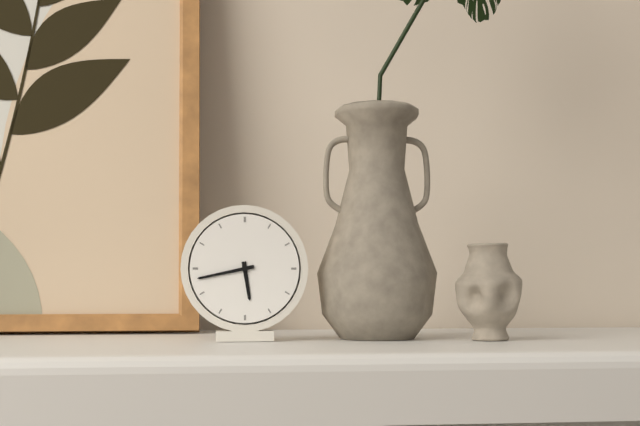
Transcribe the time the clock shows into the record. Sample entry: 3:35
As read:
5:43
